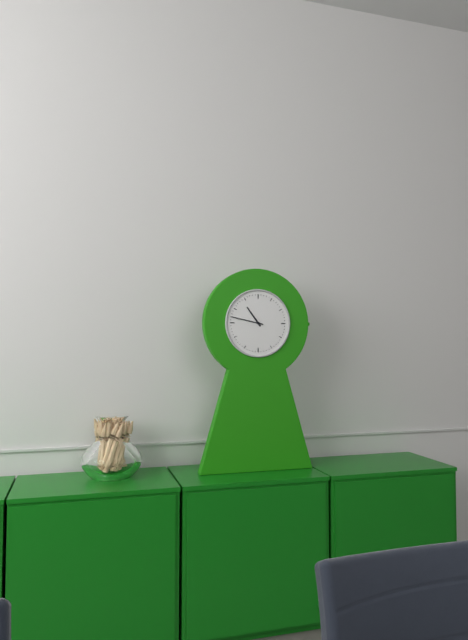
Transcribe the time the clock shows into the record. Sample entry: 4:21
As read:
10:47
